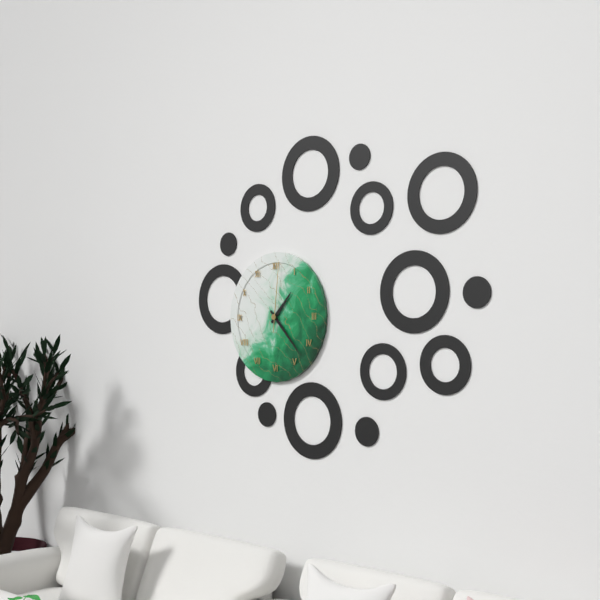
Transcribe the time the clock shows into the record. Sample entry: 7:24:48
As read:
1:23:01
